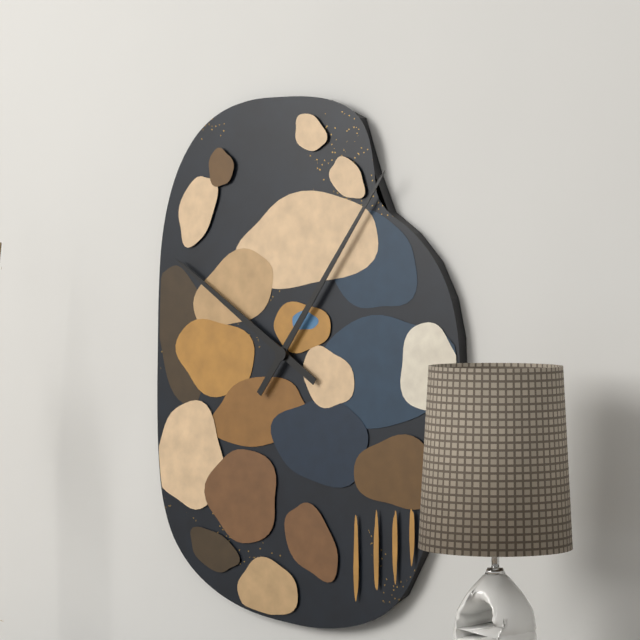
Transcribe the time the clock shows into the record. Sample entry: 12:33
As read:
10:06
